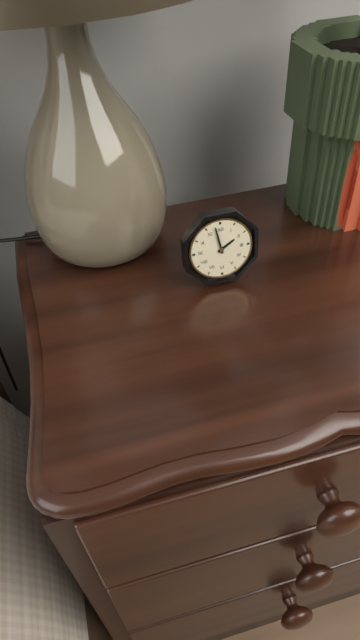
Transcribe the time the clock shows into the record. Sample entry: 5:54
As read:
1:58
